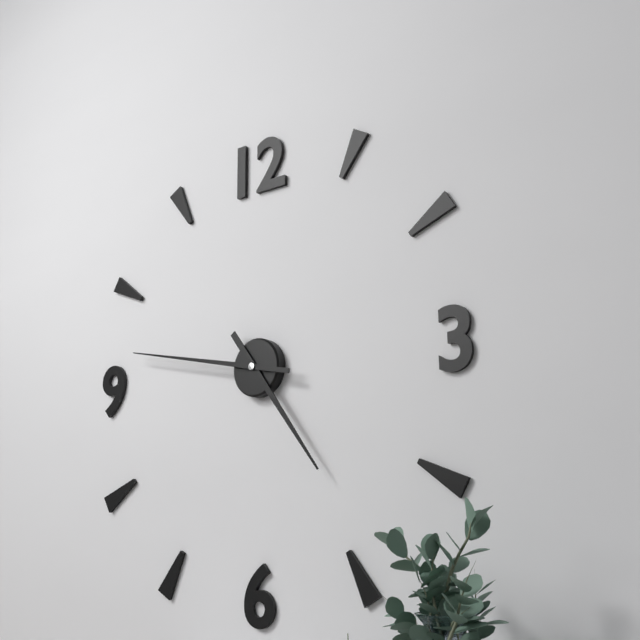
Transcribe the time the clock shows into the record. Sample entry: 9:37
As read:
4:47
